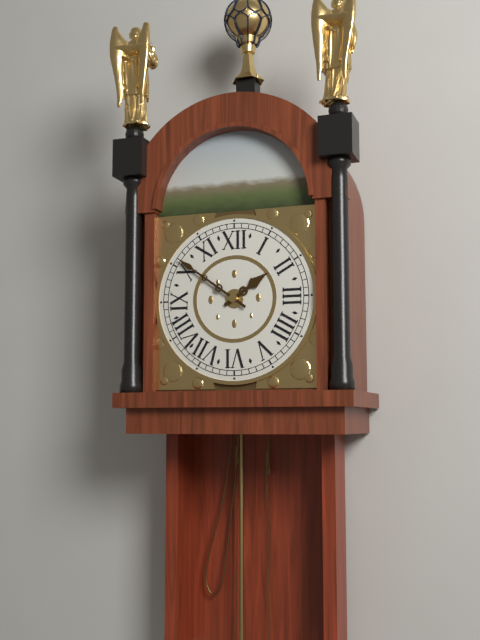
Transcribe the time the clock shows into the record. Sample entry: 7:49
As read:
1:51
